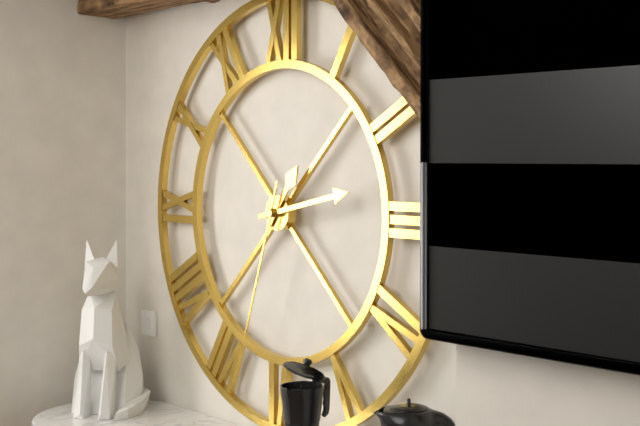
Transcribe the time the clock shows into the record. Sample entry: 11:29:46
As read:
1:13:33
